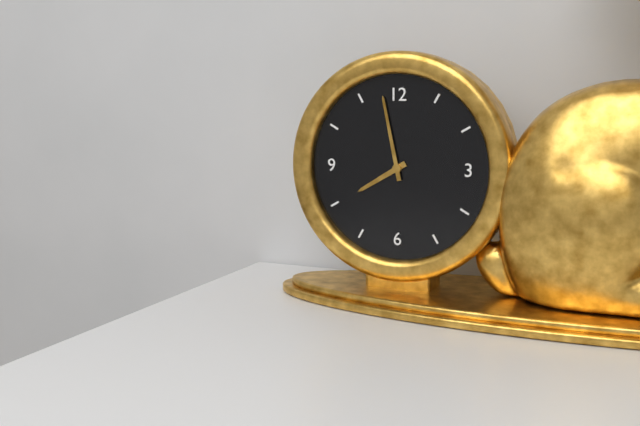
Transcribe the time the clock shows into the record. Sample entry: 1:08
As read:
7:58
